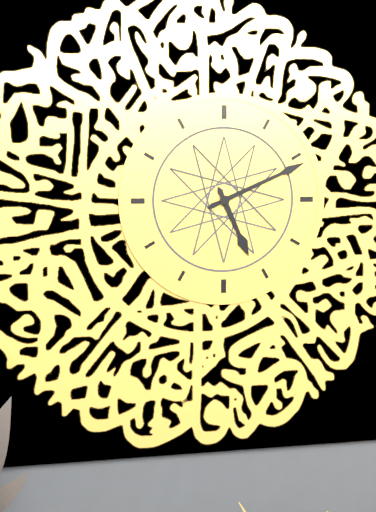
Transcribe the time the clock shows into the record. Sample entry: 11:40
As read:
5:11
